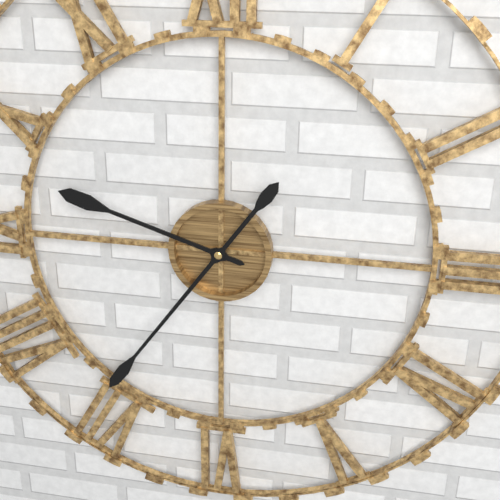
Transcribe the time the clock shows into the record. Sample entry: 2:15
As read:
9:36
